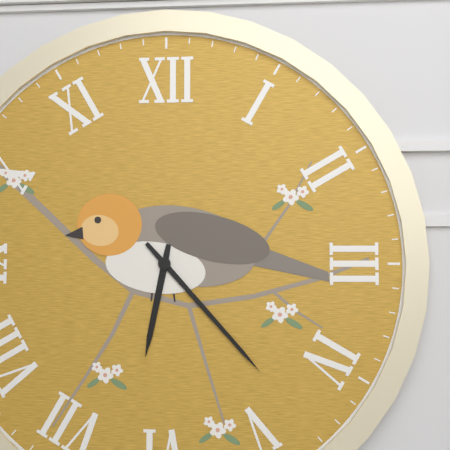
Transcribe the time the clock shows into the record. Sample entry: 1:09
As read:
6:23
